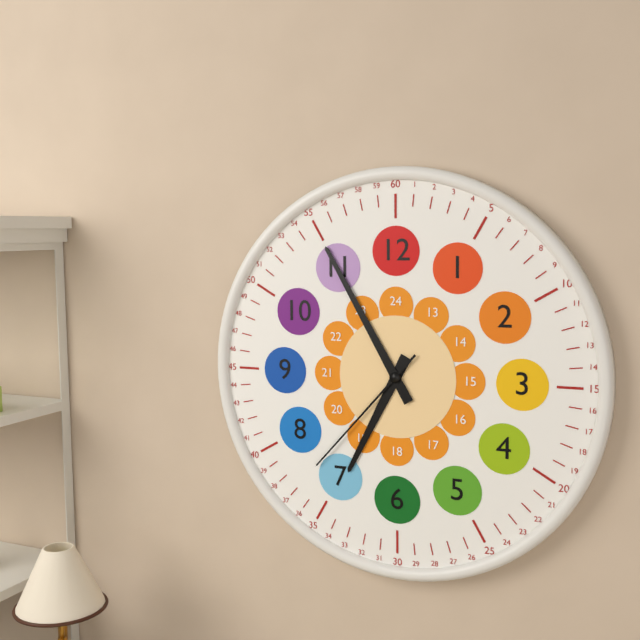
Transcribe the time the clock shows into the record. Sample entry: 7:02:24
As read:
6:55:37
